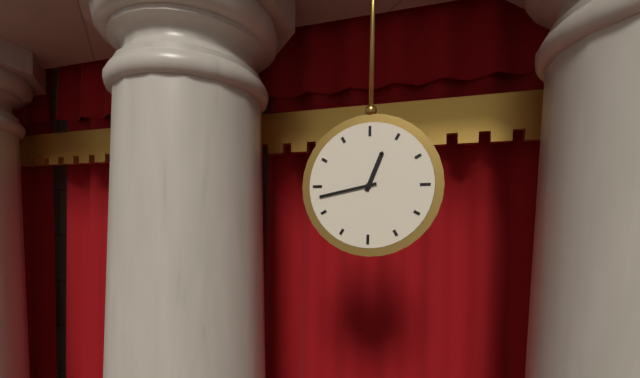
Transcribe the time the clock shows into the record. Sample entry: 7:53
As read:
12:43
